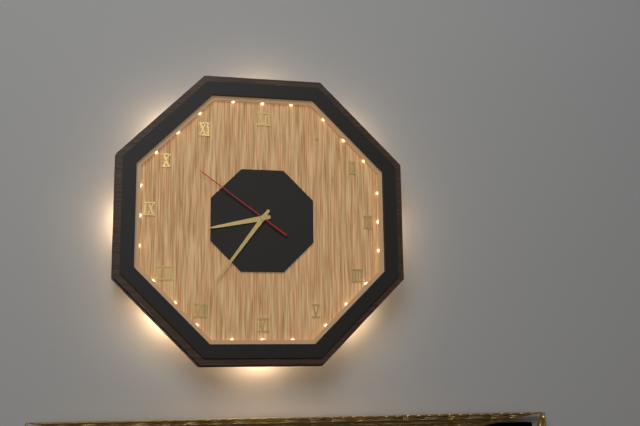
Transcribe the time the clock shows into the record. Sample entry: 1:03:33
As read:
8:36:51
